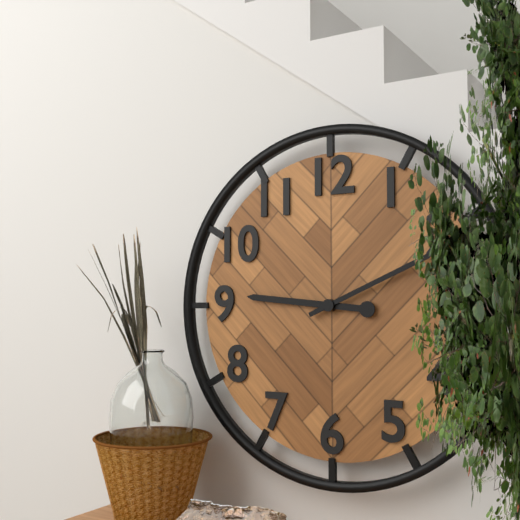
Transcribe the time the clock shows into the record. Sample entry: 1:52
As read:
9:11
